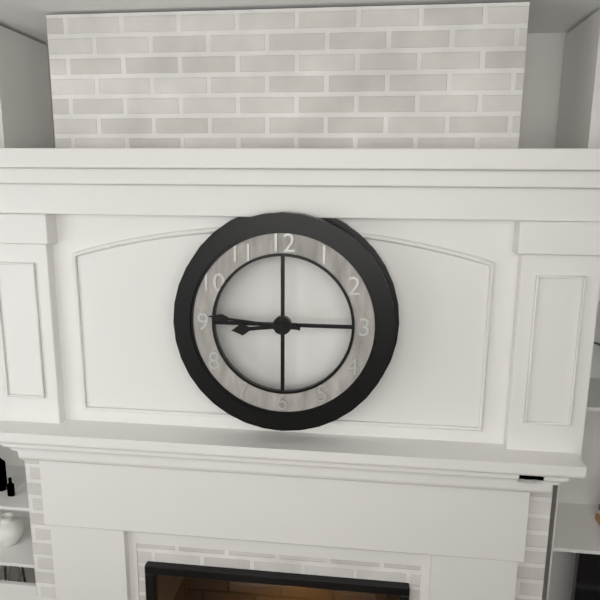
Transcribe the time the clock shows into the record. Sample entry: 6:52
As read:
8:46
